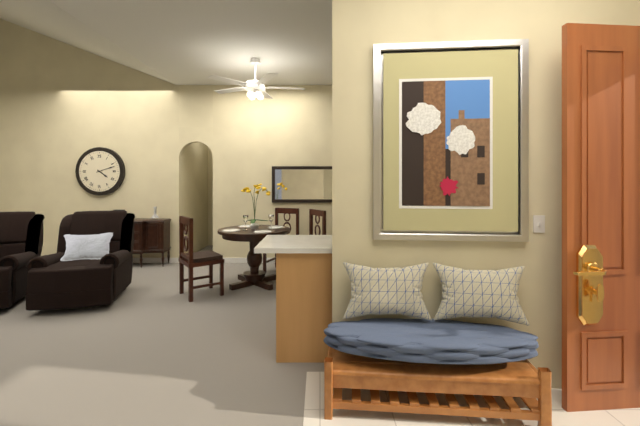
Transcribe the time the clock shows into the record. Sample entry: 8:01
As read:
4:12
